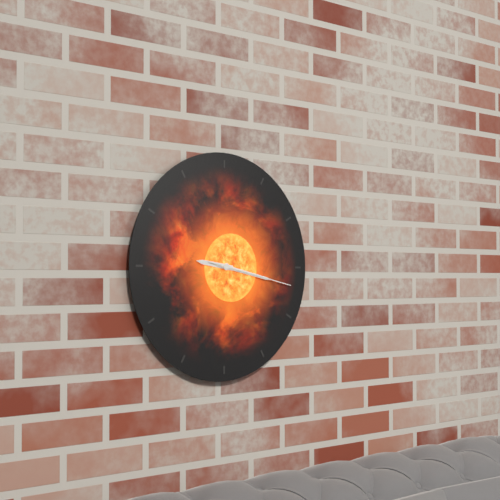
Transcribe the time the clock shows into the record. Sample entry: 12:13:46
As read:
9:17:17
